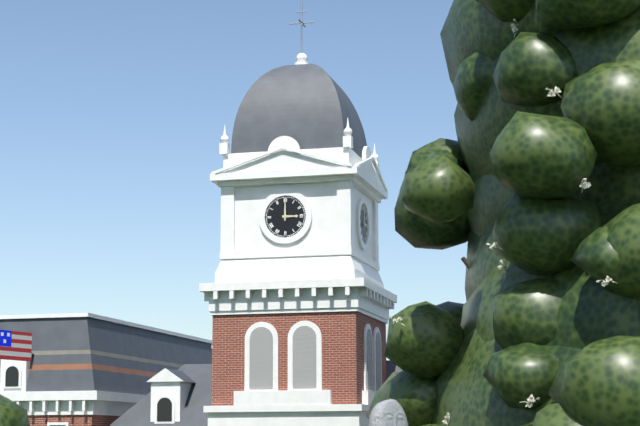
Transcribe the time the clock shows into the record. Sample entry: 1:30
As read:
3:00
